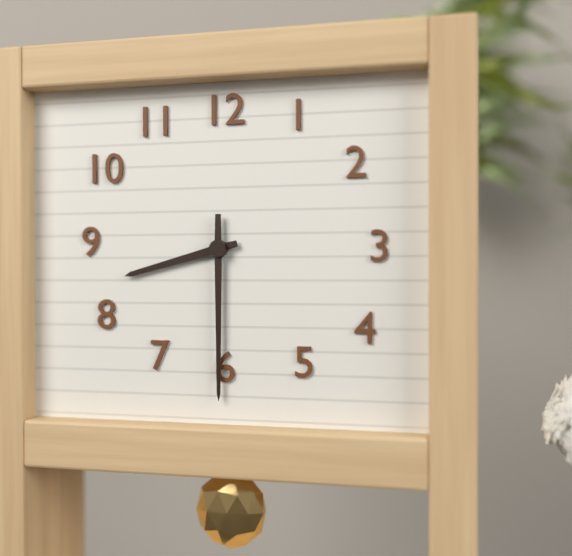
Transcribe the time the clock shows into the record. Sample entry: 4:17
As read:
8:30
